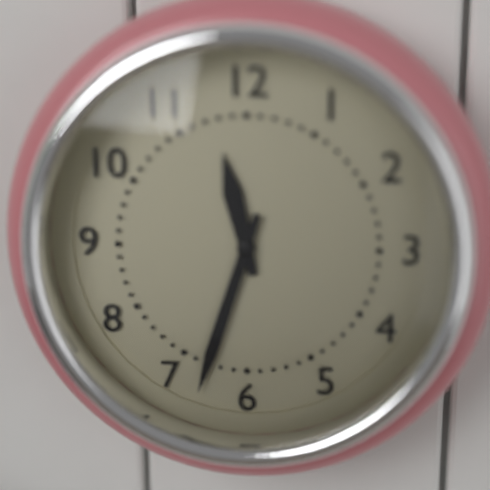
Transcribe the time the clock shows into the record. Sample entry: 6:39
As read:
11:33
